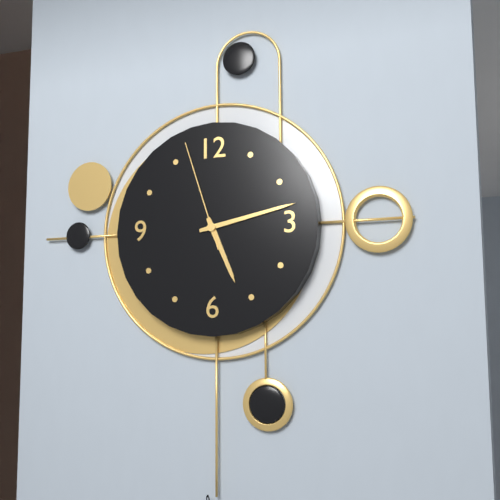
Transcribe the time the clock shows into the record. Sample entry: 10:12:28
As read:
5:13:57
